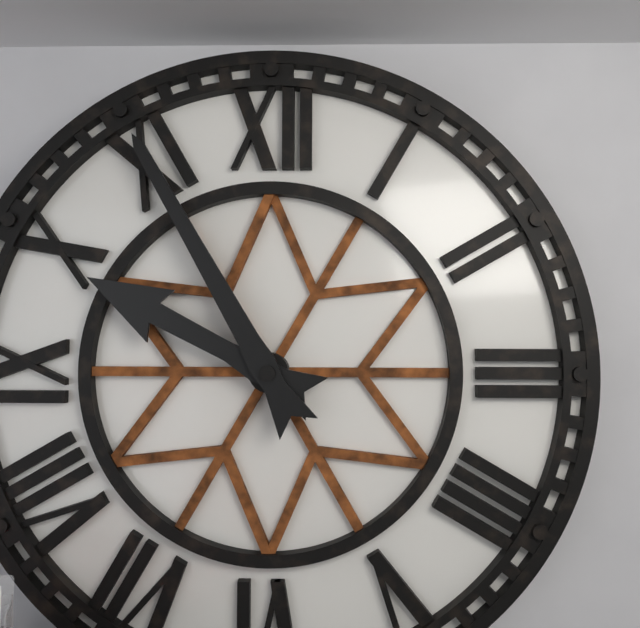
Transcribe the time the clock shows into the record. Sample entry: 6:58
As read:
9:55
